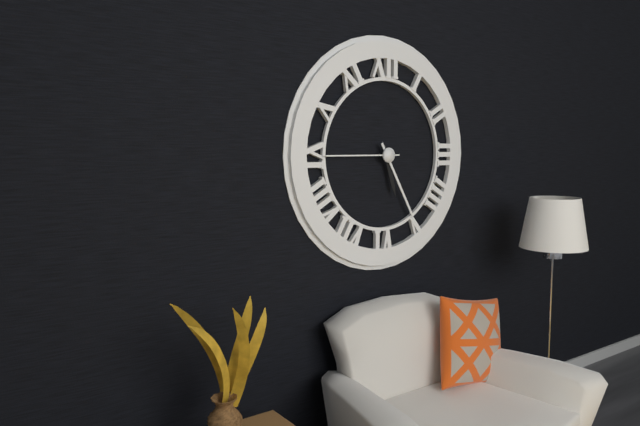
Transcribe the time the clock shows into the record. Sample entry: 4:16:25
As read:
5:25:45
